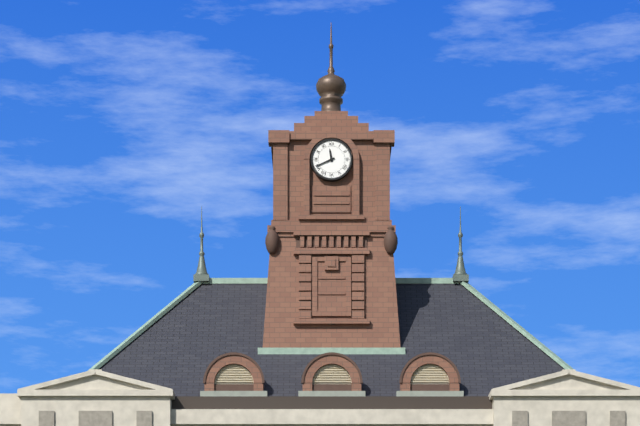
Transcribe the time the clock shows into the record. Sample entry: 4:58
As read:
11:41
